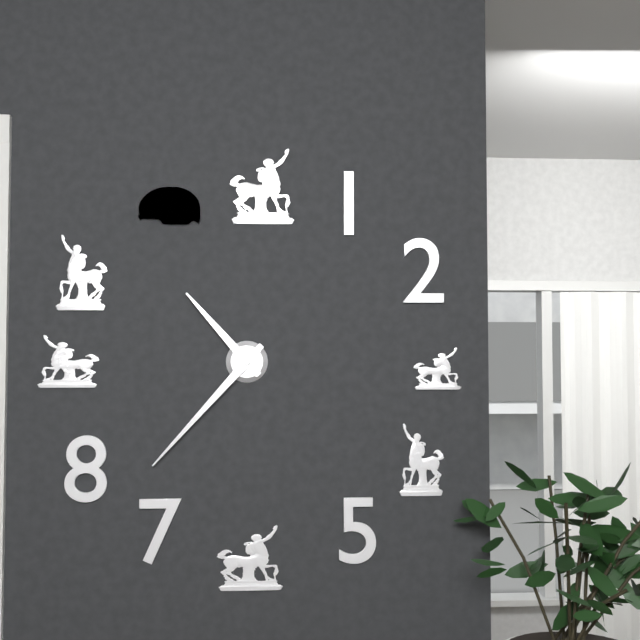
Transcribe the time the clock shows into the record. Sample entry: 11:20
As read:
10:37
